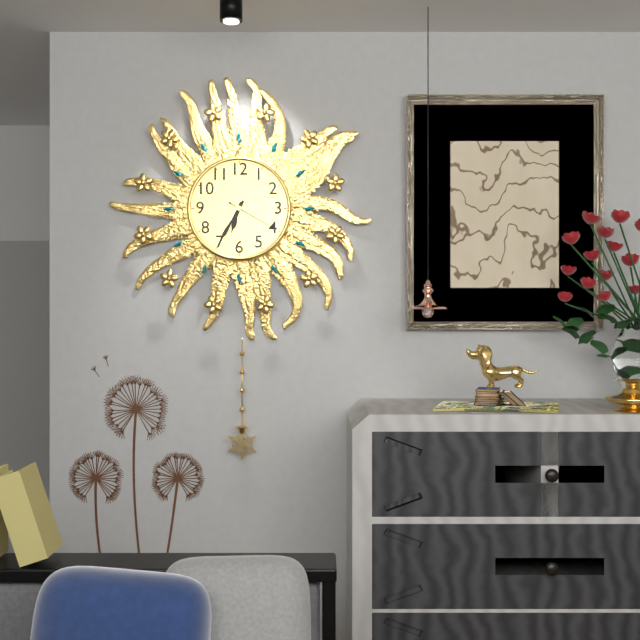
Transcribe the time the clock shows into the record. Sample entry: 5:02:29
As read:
6:35:20
